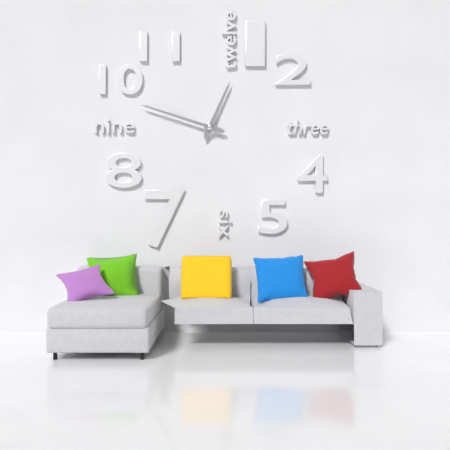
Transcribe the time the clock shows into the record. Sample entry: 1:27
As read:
12:48
